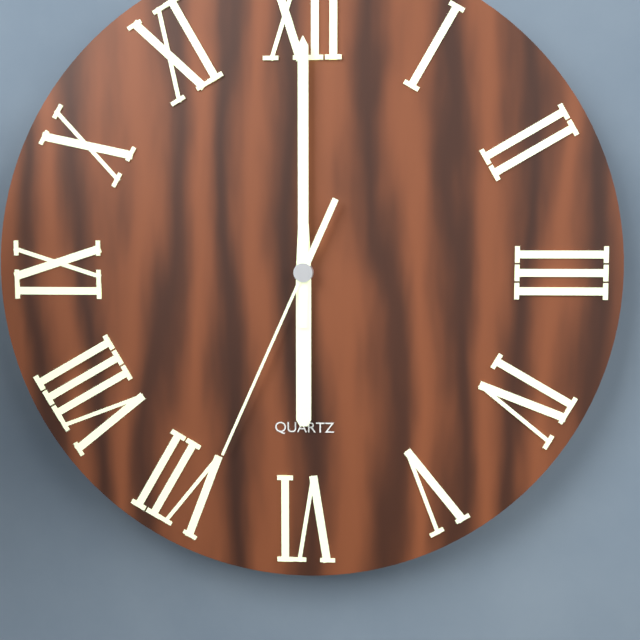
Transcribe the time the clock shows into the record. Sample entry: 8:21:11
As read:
6:00:34
